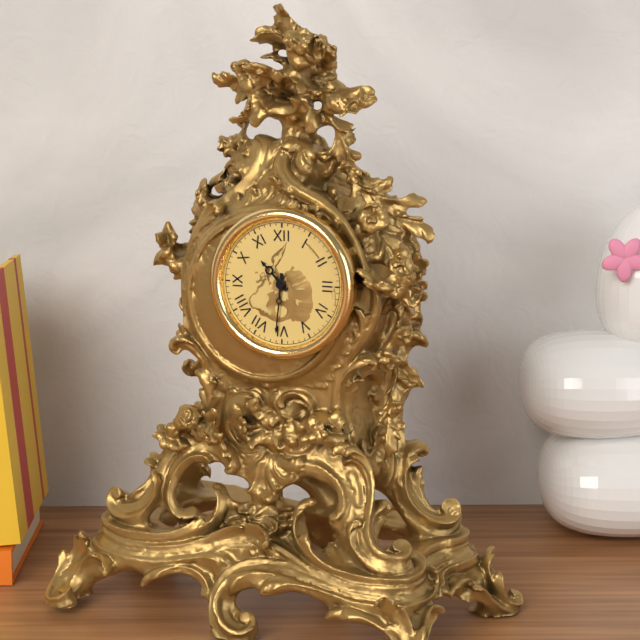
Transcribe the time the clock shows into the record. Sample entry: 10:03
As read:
10:31
